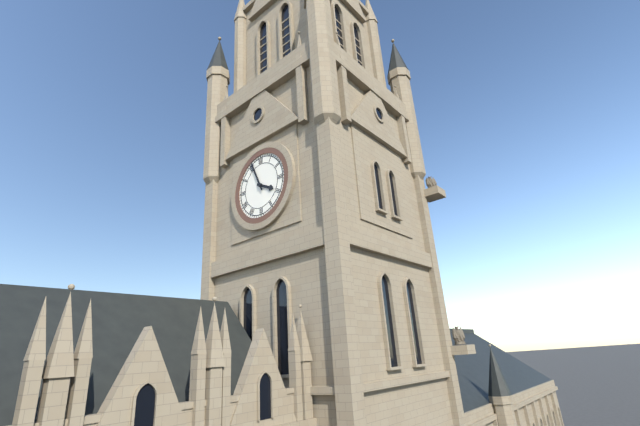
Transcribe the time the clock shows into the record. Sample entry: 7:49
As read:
3:56
